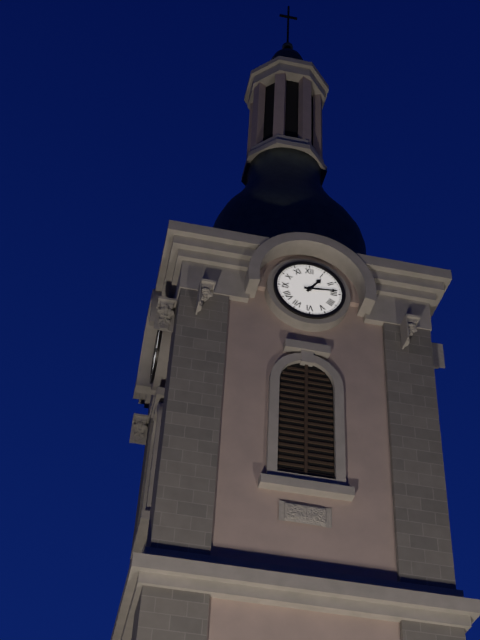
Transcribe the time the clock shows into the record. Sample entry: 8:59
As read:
1:14
